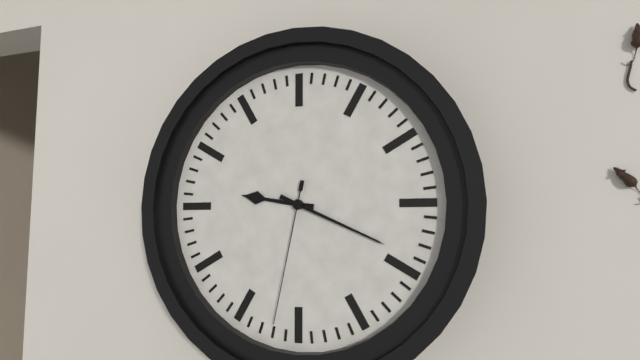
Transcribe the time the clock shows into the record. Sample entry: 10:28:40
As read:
9:19:32
